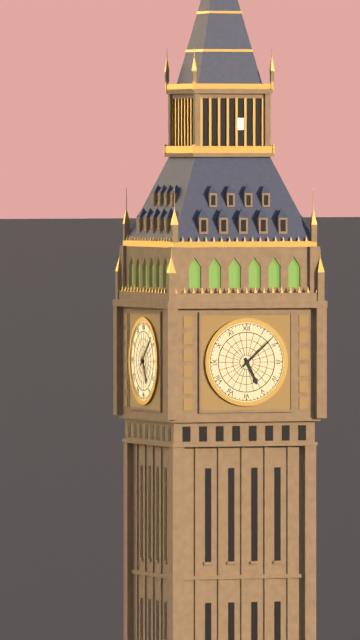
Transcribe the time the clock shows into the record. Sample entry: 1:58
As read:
5:08
